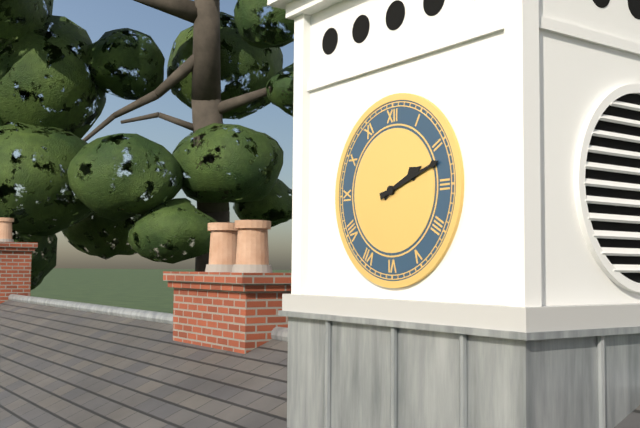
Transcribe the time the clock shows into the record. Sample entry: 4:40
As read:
2:12
